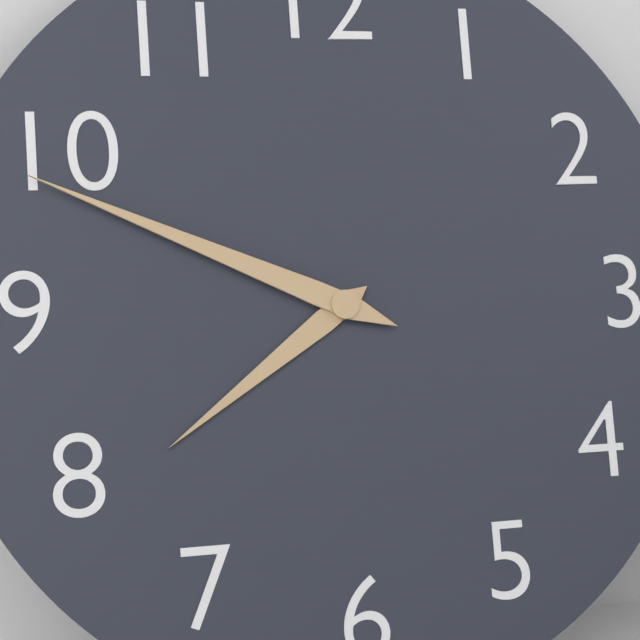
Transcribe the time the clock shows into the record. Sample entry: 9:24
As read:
7:49
